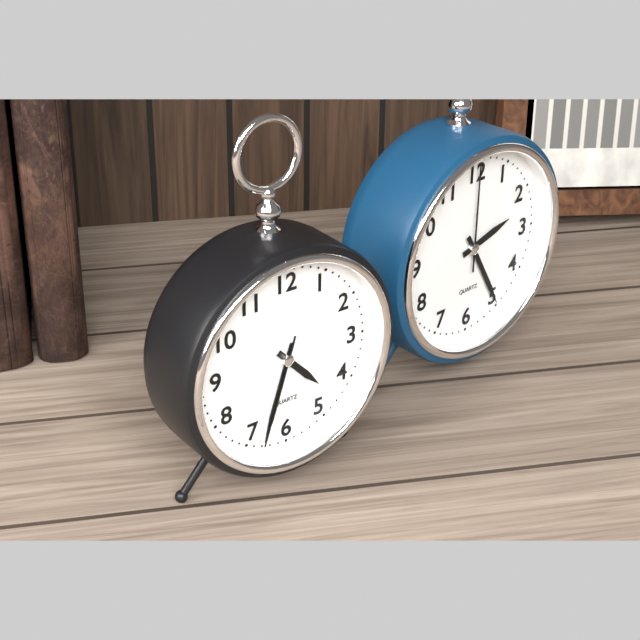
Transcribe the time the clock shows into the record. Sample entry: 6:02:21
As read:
4:33:33
